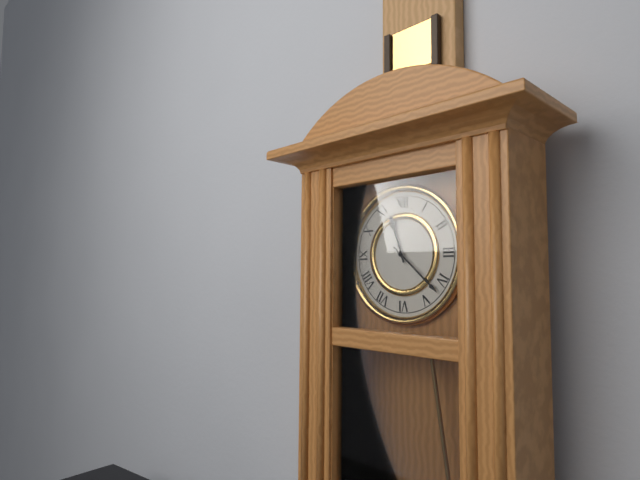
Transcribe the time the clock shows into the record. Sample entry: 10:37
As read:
11:22
